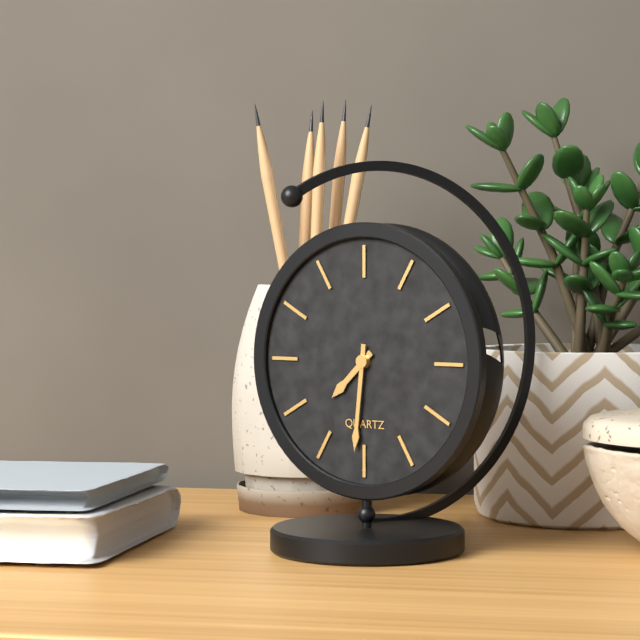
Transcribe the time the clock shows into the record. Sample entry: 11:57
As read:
7:31
